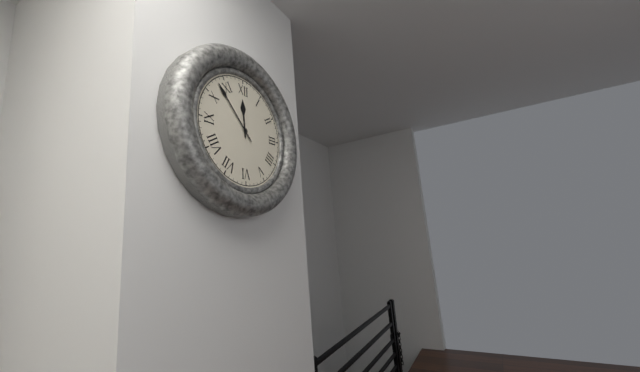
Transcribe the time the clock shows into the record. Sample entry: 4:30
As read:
11:53
